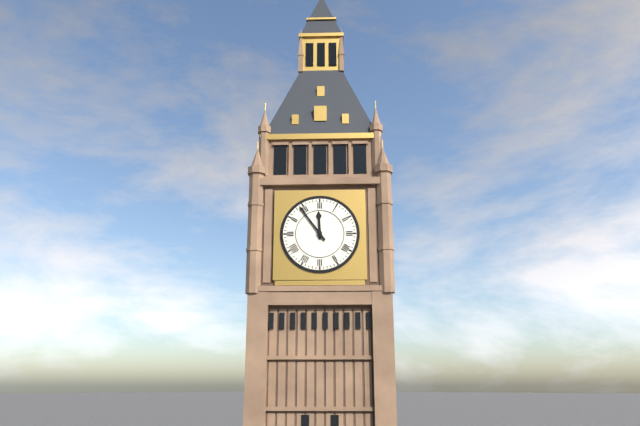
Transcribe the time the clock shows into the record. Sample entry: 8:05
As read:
11:54
